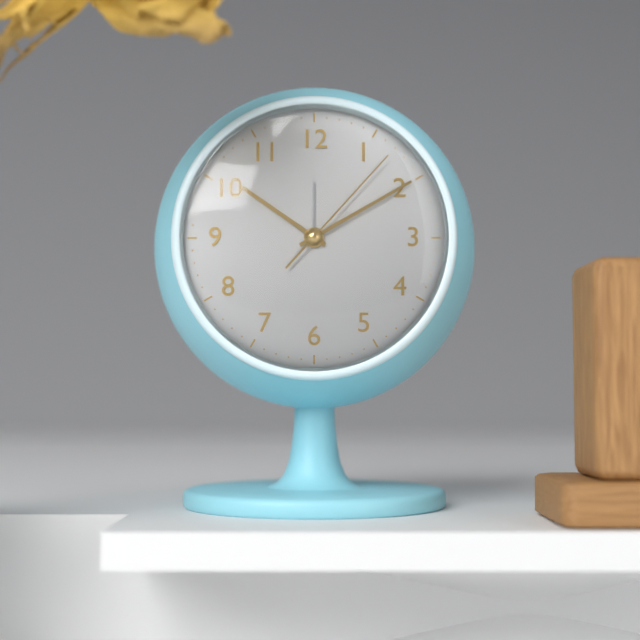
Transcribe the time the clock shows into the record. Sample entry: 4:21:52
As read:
10:10:07
